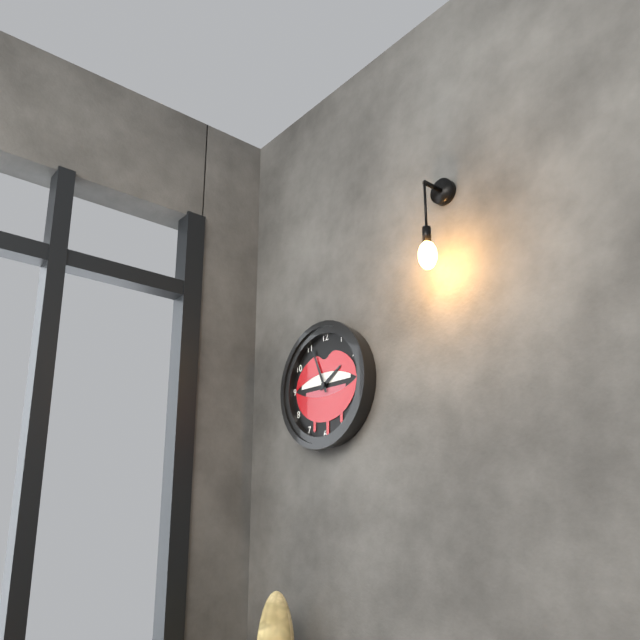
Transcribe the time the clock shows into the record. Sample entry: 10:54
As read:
1:56
